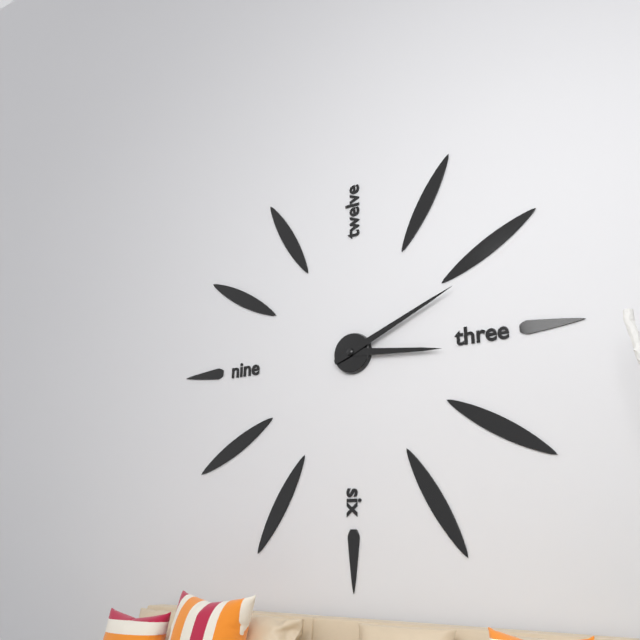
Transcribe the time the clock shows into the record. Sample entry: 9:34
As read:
3:11
